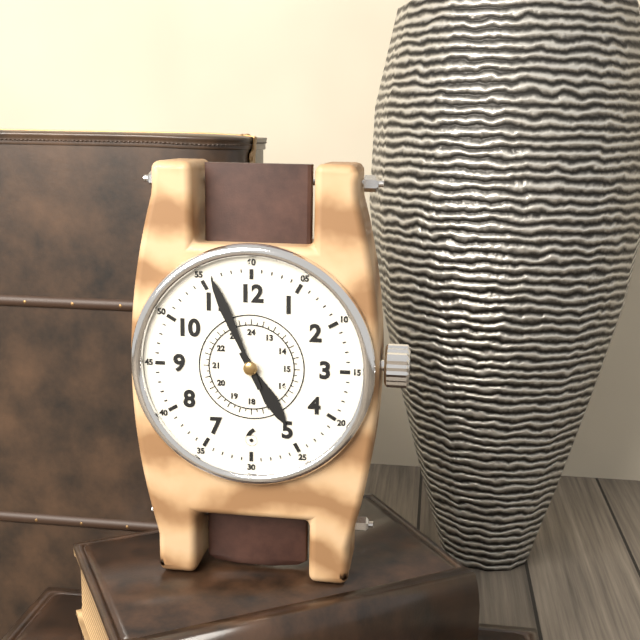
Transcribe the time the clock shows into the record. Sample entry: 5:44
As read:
4:56
